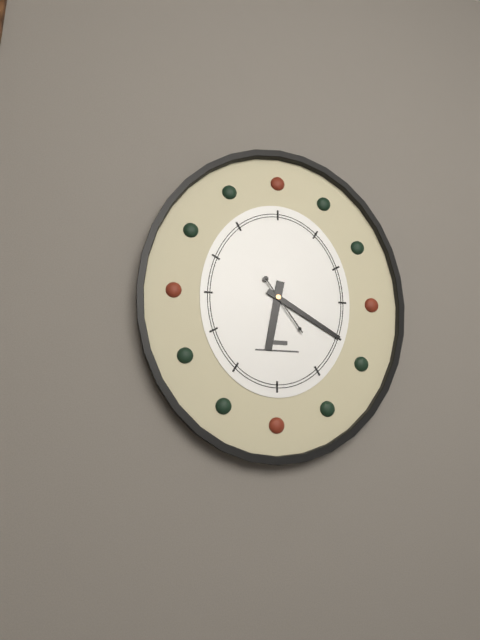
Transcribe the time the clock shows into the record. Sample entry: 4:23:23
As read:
6:20:24
